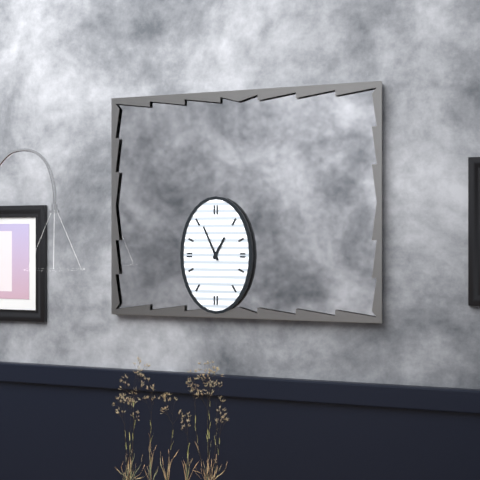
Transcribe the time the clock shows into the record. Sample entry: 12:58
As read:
12:56
